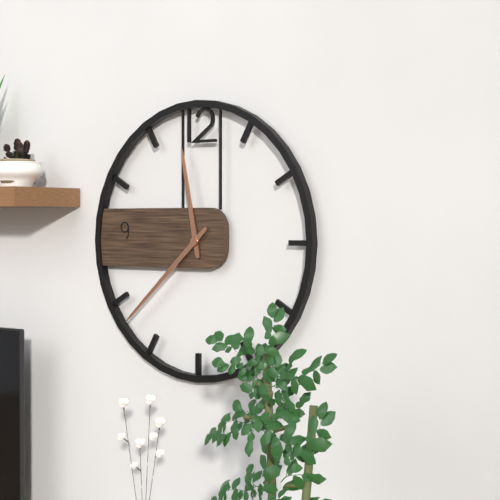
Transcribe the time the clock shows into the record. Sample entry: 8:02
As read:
11:38
